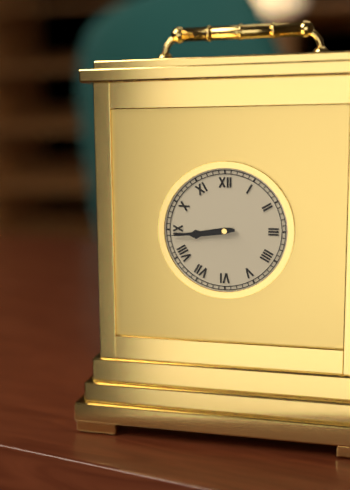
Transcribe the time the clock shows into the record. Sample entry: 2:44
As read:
8:44
